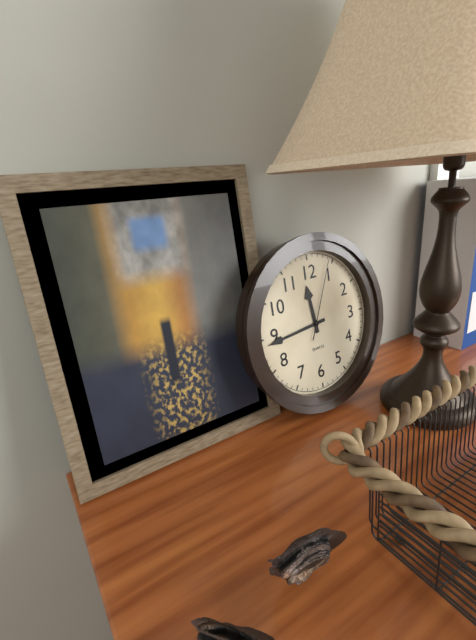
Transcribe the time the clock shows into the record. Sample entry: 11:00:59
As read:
11:44:04
